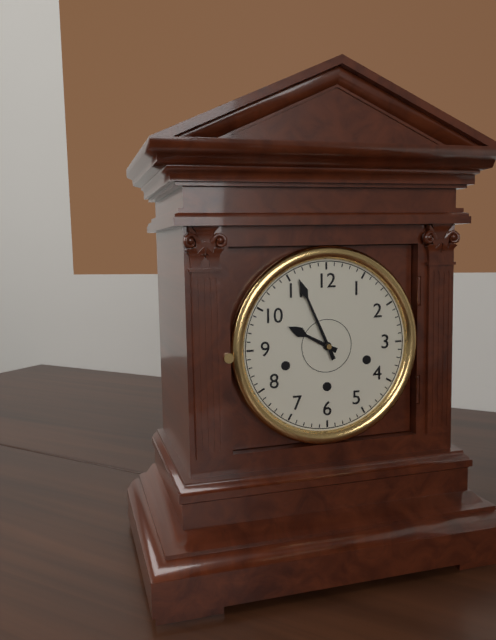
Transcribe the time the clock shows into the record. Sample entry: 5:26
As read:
9:56
